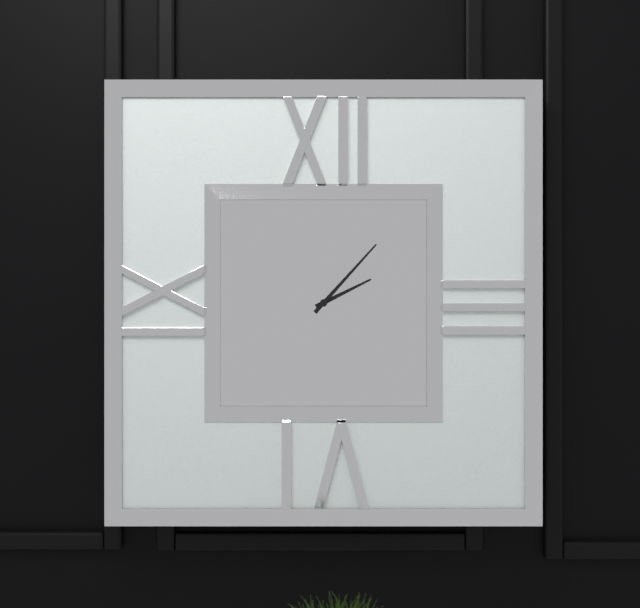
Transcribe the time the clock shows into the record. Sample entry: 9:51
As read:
2:07
